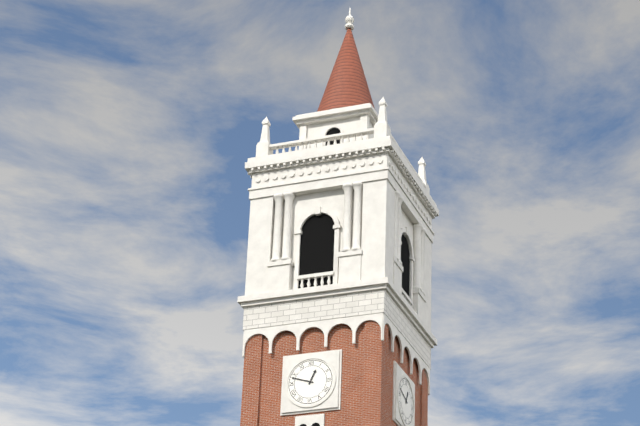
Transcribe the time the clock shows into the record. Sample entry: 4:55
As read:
12:48
